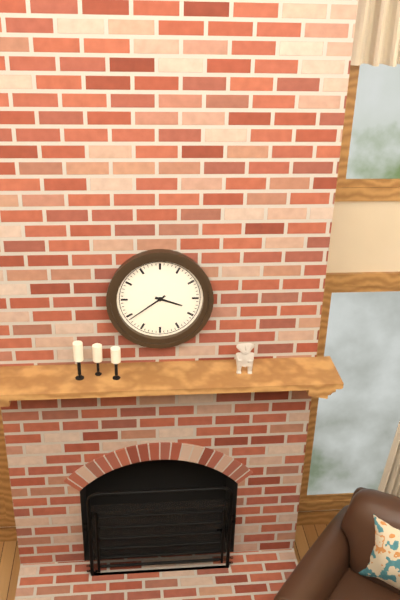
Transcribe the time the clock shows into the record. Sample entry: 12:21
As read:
3:39
